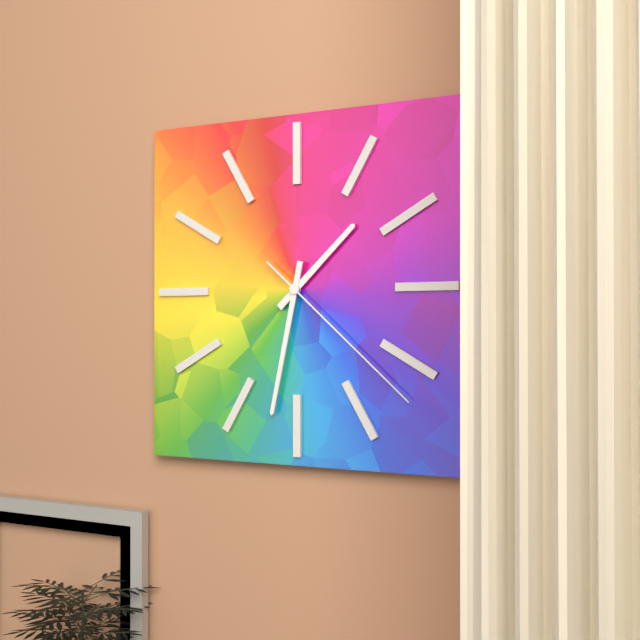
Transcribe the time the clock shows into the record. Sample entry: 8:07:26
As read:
1:32:22
